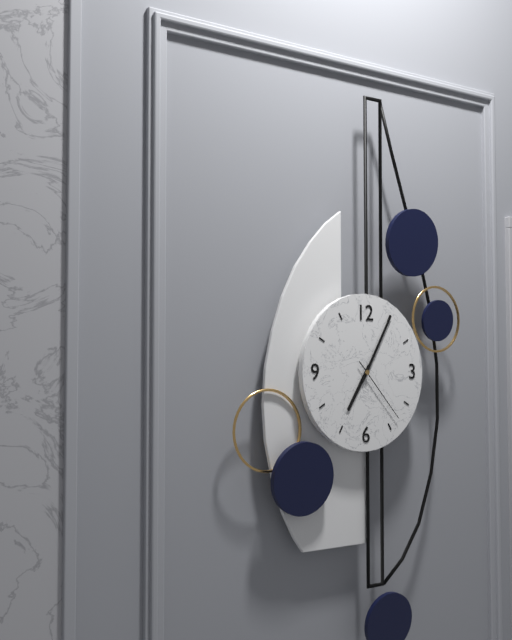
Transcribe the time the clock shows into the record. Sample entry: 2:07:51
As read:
7:05:23
